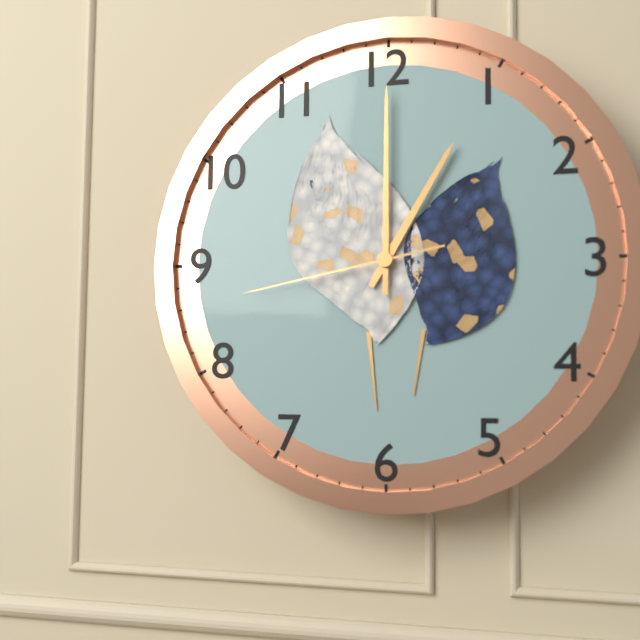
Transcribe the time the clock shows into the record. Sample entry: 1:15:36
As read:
1:00:43
